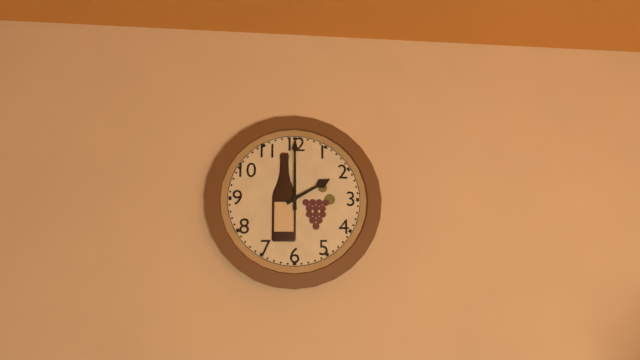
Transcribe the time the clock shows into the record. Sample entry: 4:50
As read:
2:00
